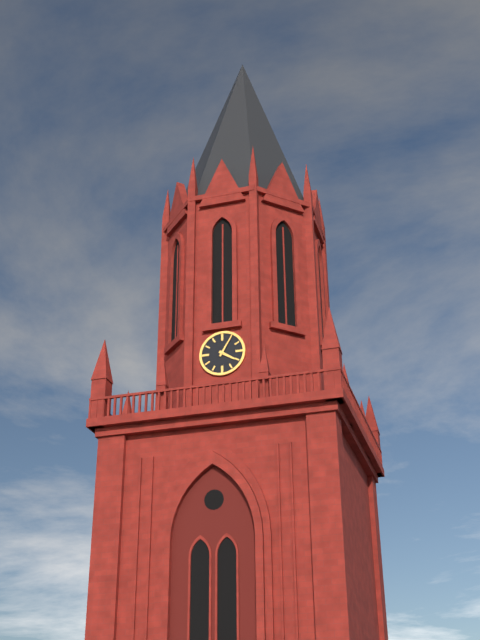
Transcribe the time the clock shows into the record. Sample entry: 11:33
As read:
4:05
